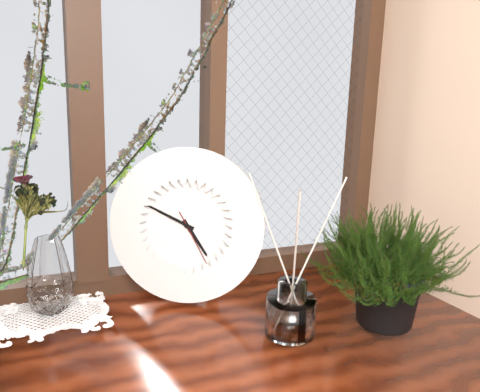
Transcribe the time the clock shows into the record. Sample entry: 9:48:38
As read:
4:49:25
